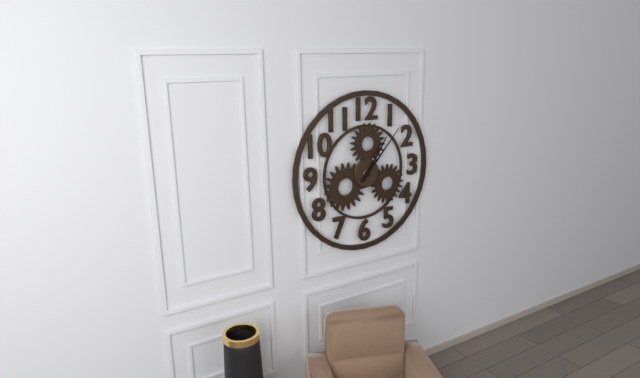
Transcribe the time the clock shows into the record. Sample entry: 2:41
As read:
1:07
